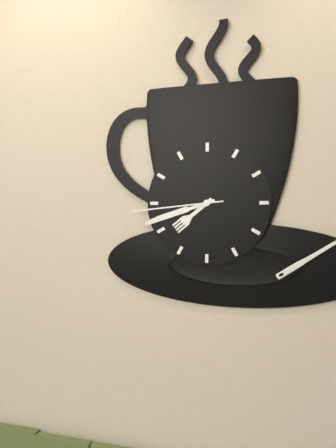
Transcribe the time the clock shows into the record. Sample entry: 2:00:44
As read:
7:42:44
